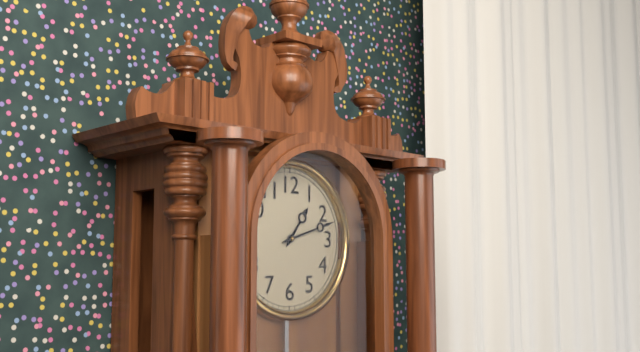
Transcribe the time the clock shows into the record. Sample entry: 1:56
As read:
1:12
